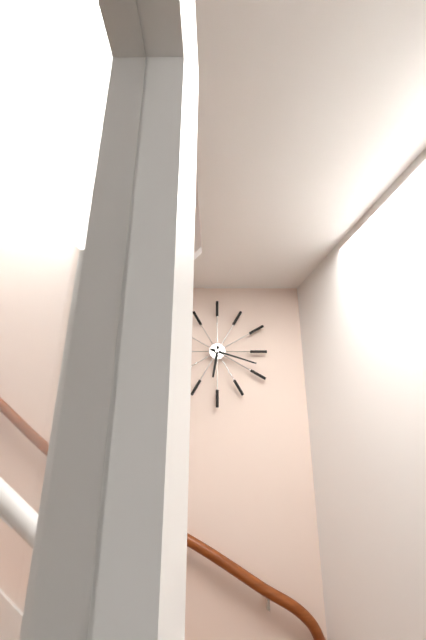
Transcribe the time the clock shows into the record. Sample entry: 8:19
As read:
6:18
